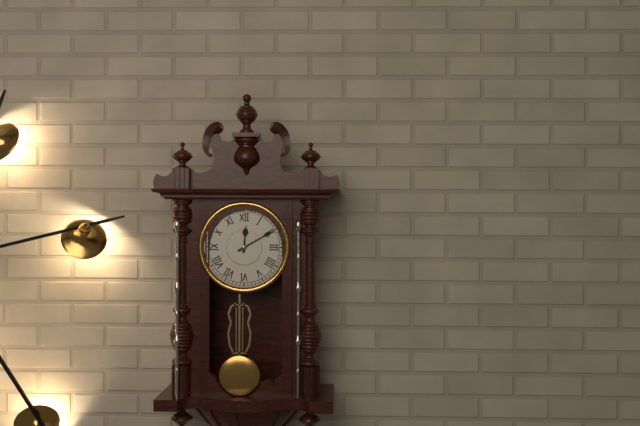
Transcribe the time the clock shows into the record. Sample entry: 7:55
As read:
12:10
